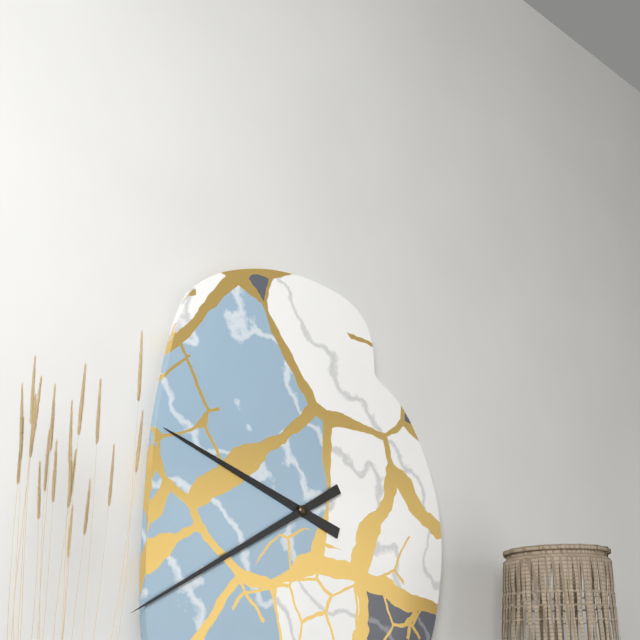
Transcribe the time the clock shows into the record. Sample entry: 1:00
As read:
9:40
